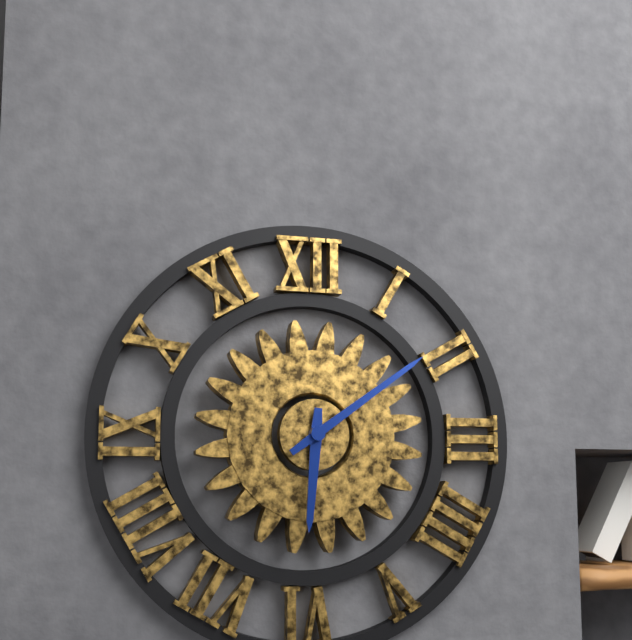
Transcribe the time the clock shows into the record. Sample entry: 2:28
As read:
6:09
